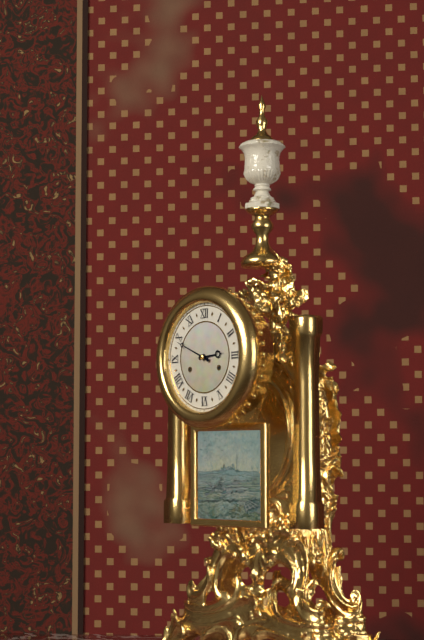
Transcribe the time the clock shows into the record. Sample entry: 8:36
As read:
2:49
